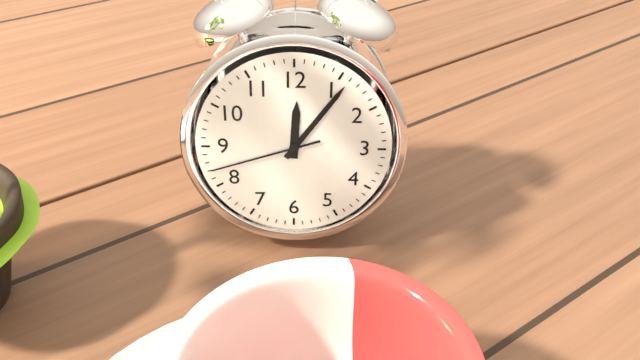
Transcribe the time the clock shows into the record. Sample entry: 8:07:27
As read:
12:06:42
